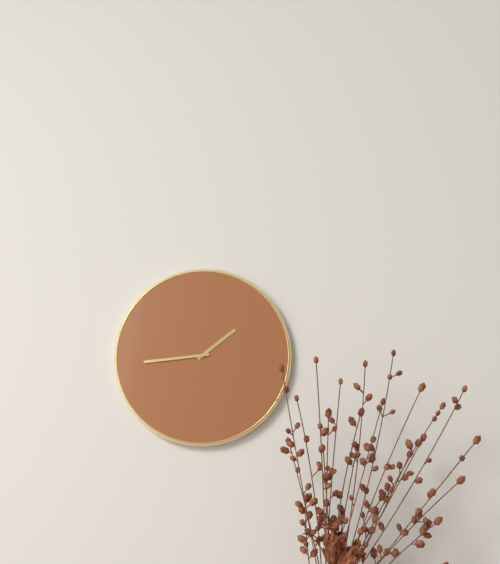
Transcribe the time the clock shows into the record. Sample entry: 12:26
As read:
1:44
